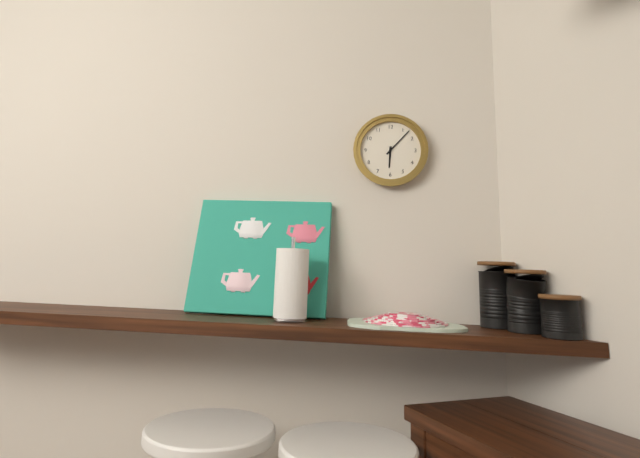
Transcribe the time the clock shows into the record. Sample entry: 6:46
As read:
6:07
